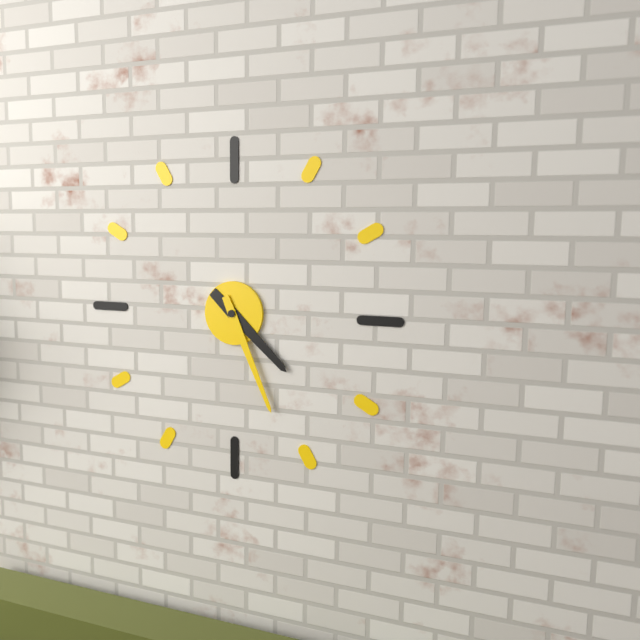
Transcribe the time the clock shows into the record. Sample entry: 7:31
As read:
4:26
